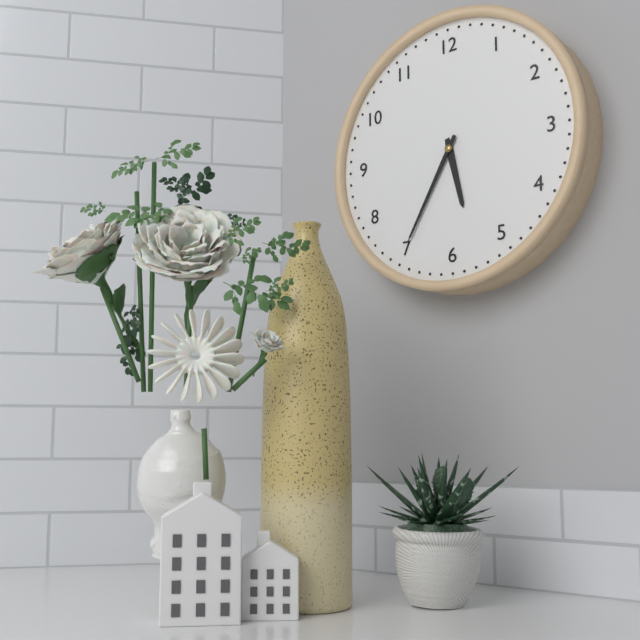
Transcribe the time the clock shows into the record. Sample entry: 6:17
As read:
5:35
